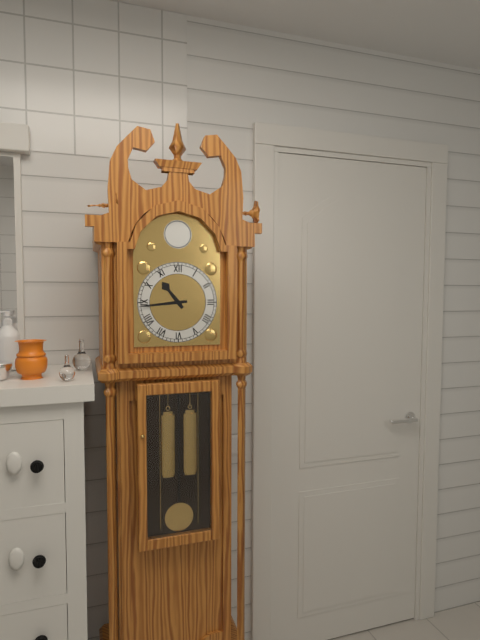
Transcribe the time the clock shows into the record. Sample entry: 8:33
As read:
10:44
